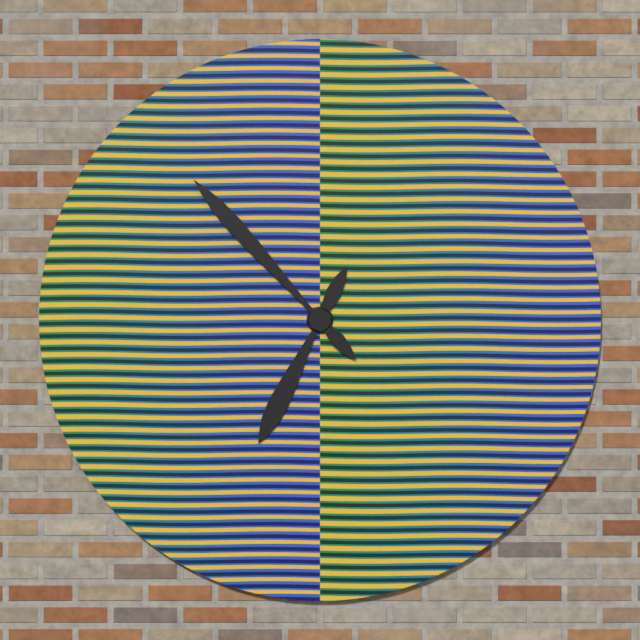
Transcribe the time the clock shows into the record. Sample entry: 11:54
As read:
6:53
